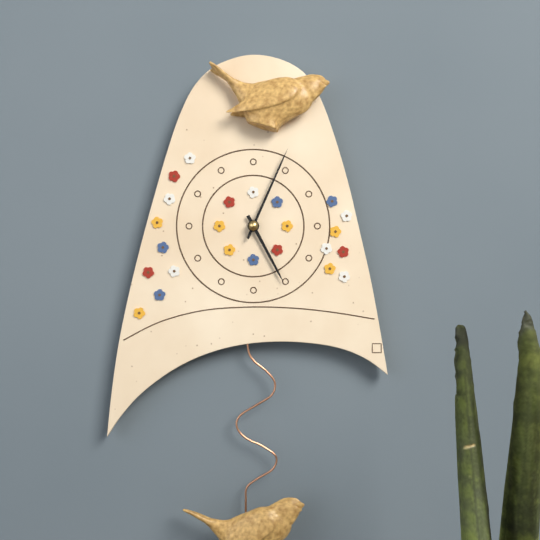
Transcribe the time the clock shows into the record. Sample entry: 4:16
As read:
5:04
